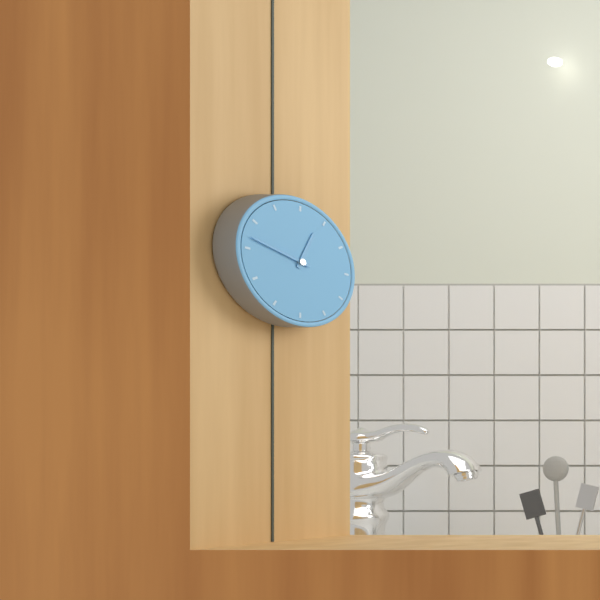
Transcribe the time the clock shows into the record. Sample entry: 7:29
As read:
12:47
